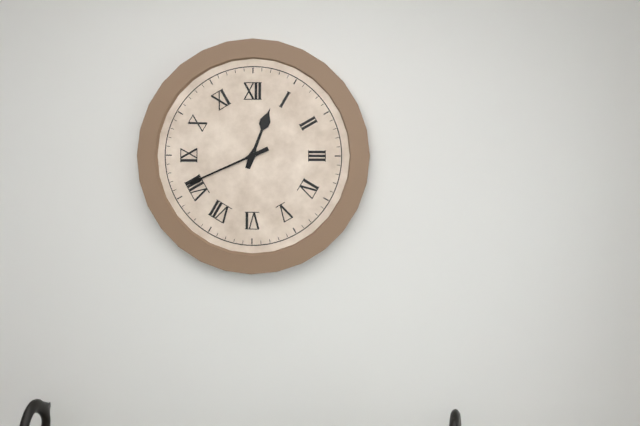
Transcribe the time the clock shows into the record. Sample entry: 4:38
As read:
12:41
